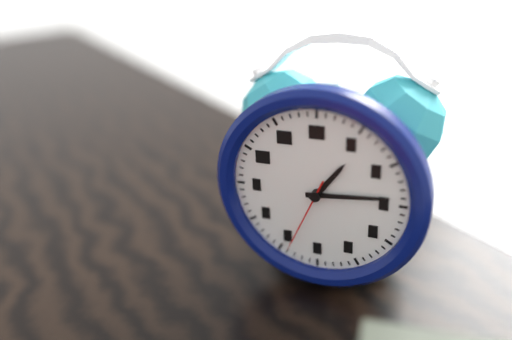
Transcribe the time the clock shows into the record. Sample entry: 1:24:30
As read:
1:14:34
